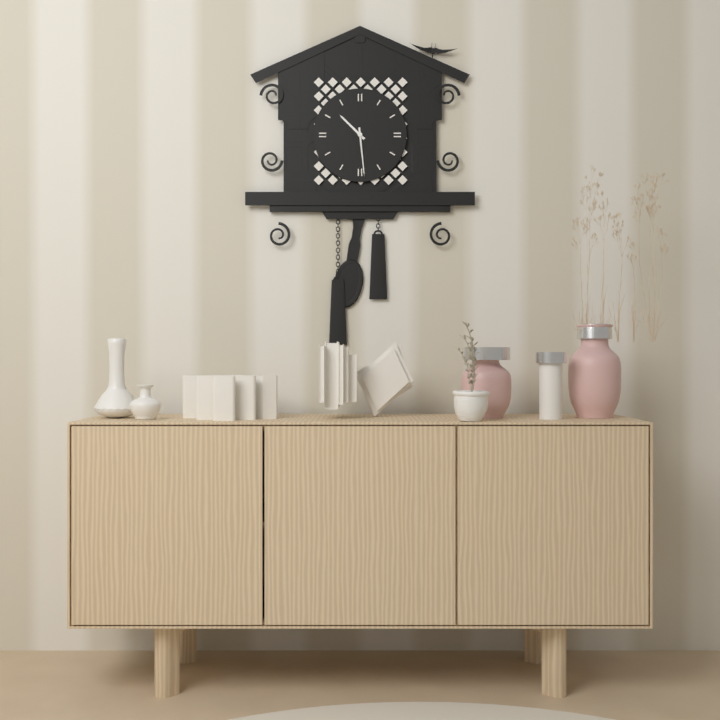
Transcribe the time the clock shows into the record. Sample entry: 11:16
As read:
10:29
